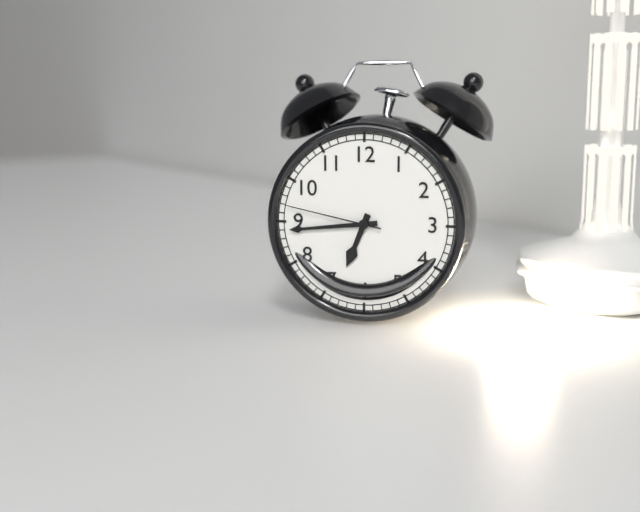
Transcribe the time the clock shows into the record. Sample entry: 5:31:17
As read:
6:44:47
